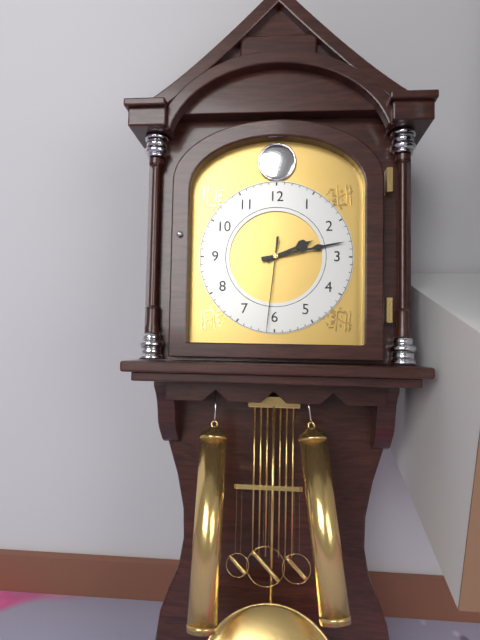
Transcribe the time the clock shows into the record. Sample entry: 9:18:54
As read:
2:13:31
